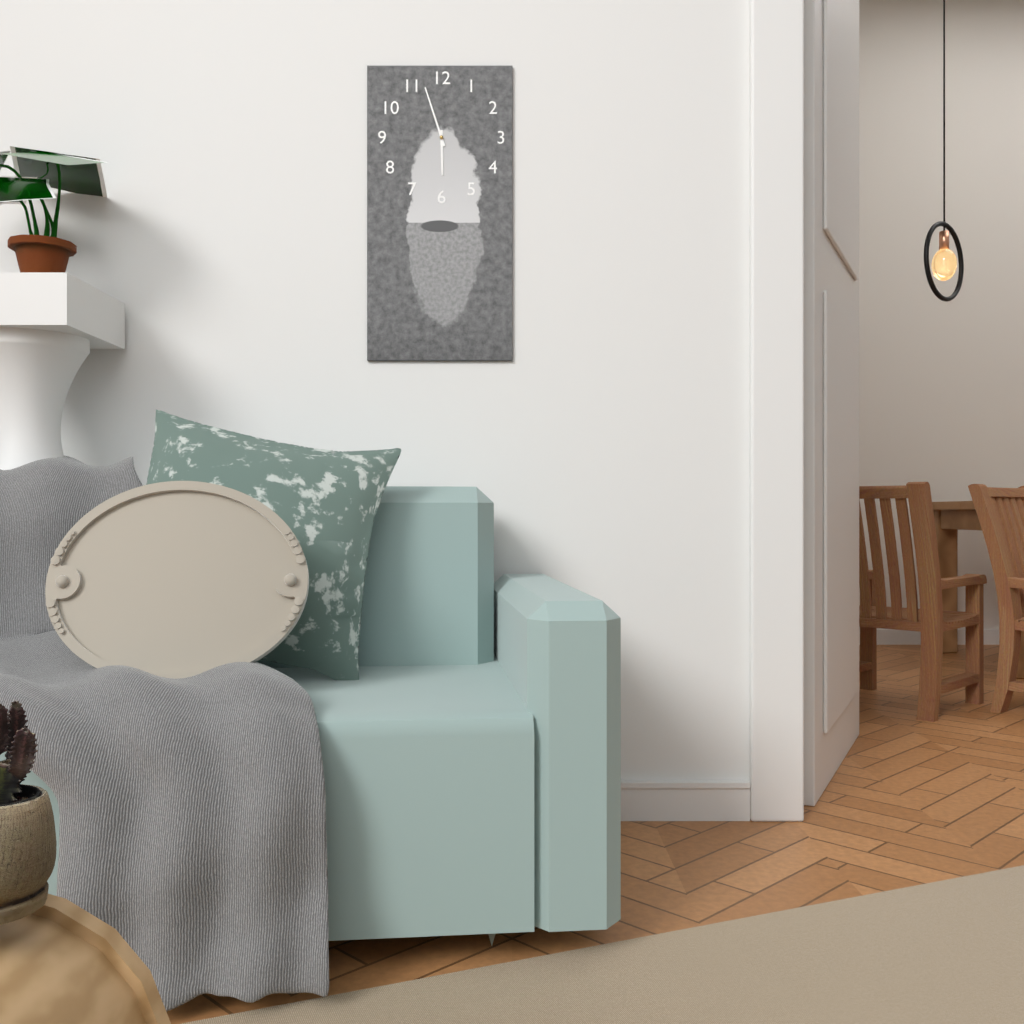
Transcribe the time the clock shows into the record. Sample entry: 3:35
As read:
5:57
